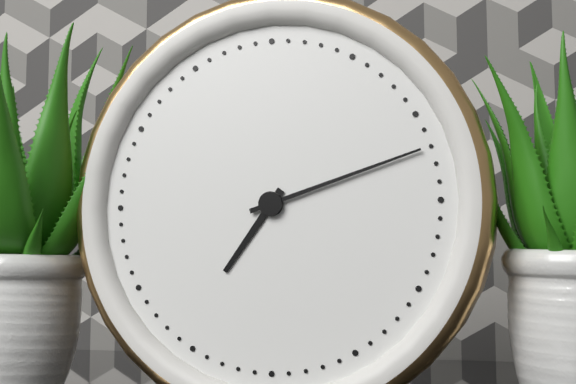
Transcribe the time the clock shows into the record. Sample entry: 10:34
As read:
7:12
